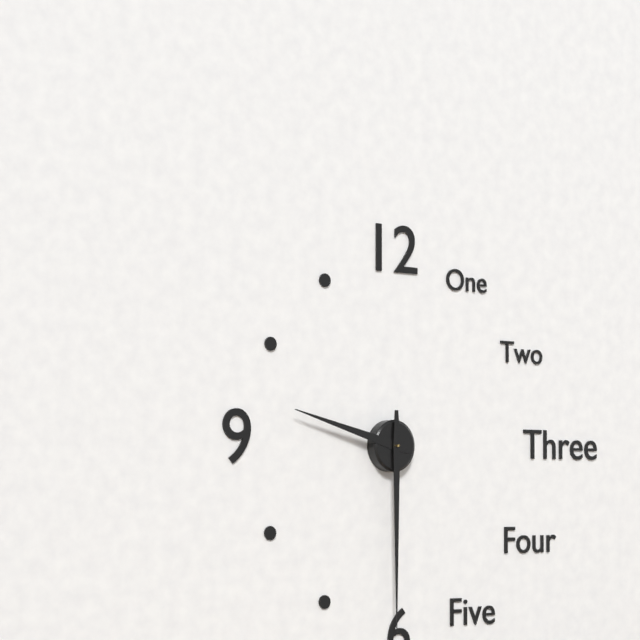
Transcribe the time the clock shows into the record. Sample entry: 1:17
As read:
9:30
